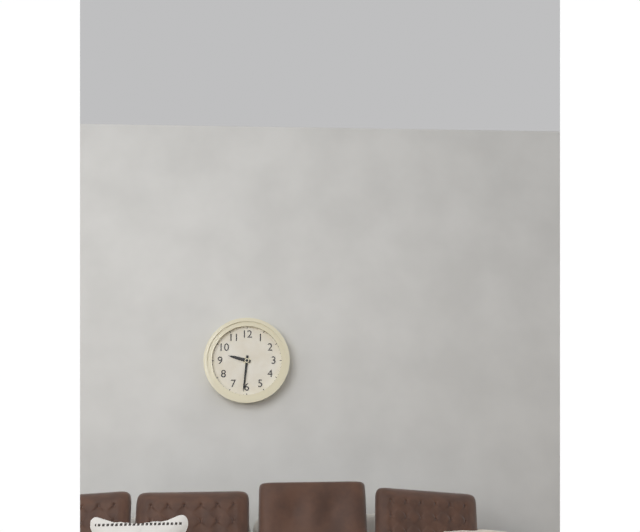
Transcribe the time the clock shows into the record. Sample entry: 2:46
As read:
9:31
